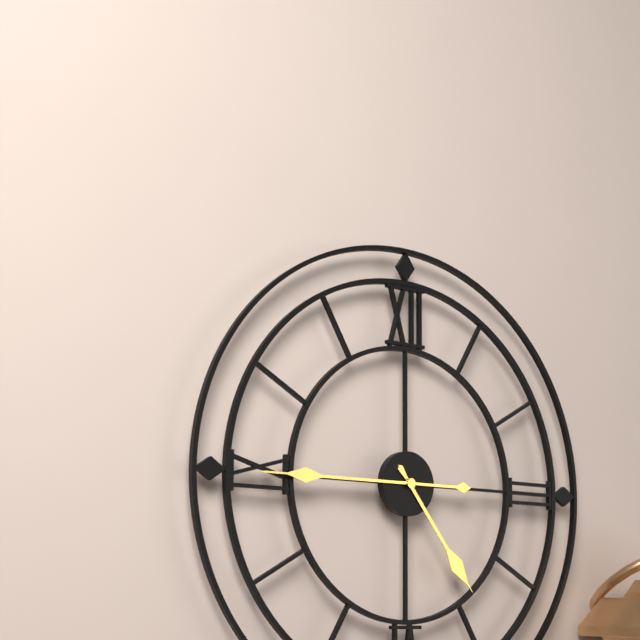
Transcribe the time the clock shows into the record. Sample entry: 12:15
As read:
4:45
